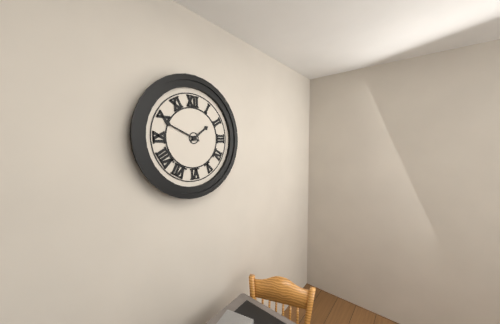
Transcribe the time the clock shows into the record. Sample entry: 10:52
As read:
1:49
